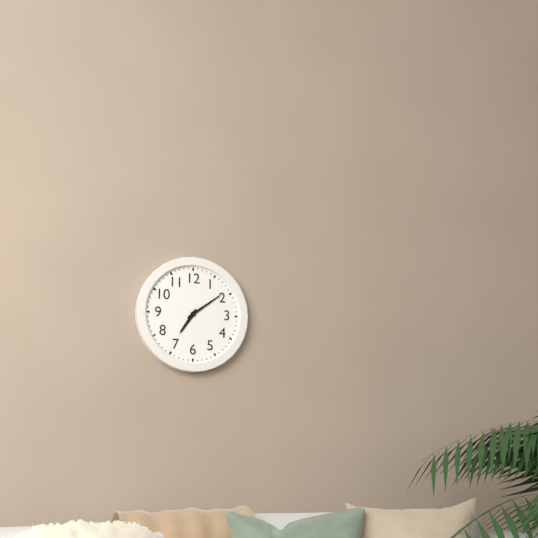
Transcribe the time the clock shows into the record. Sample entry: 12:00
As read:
7:09
